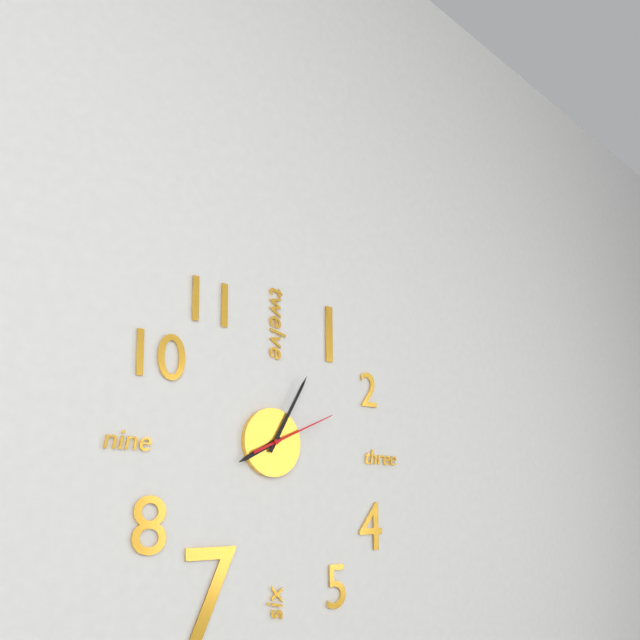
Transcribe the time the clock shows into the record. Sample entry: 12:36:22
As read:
8:05:11
